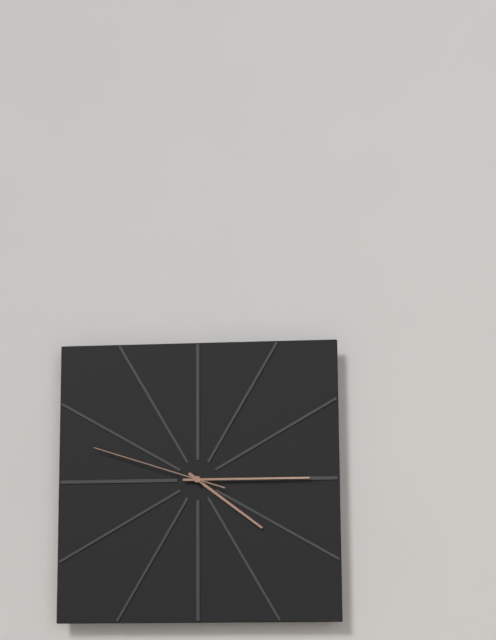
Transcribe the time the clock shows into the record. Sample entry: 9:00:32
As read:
4:15:48
